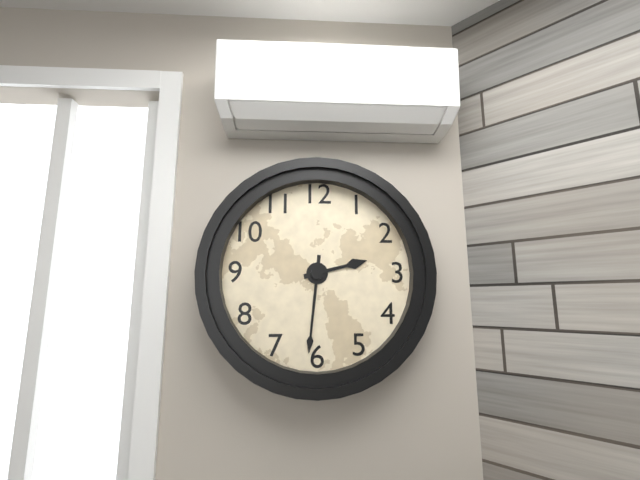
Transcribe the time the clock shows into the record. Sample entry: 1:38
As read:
2:31
